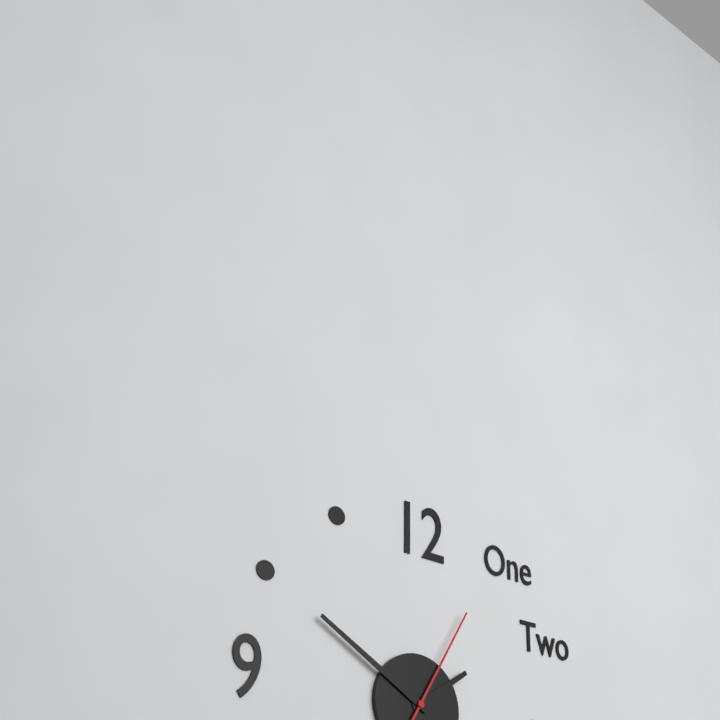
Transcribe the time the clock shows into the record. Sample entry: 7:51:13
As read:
1:50:05
